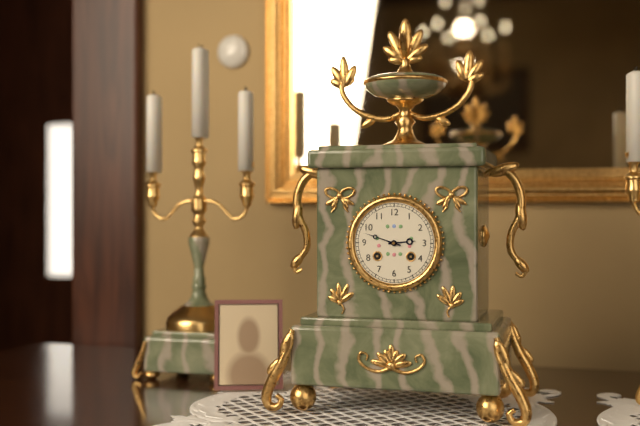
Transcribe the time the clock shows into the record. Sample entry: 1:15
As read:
2:48
